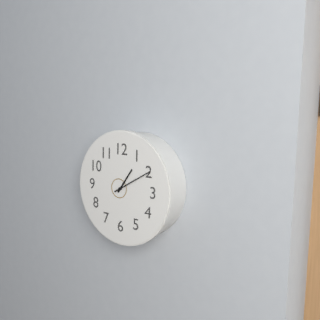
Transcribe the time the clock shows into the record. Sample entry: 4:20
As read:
1:10
